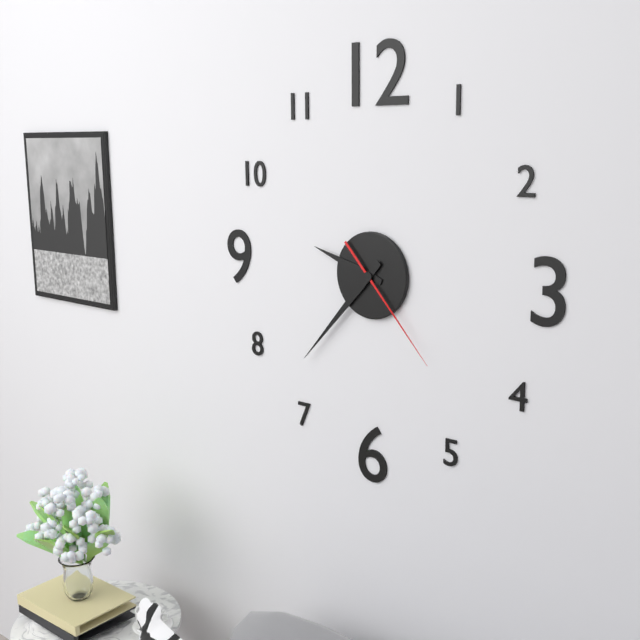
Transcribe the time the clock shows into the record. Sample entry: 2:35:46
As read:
9:37:23
